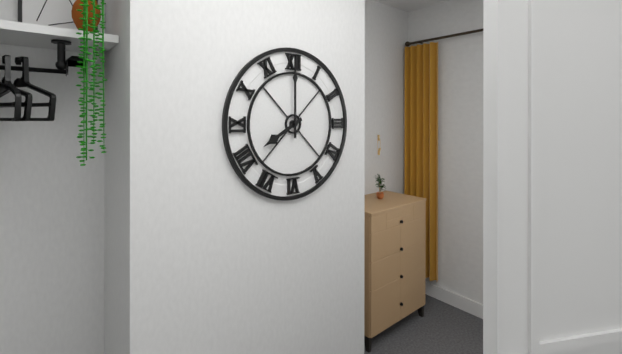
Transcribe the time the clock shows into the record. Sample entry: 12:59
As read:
8:00
